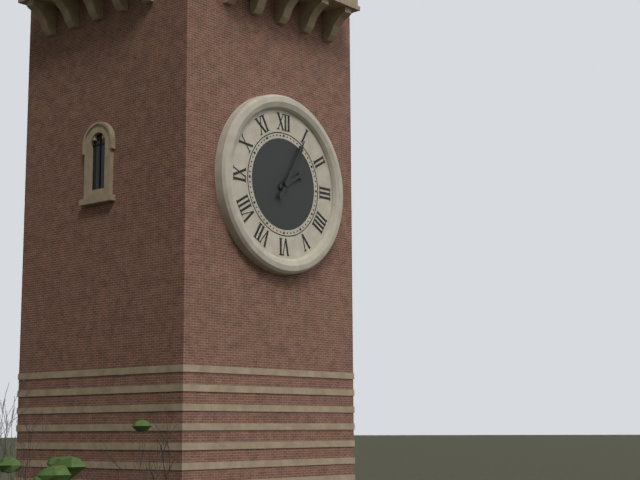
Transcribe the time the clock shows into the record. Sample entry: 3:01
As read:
2:05
